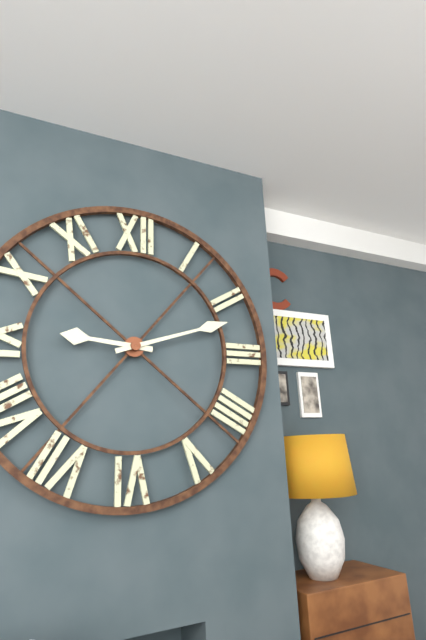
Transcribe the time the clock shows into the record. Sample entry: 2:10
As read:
9:12
